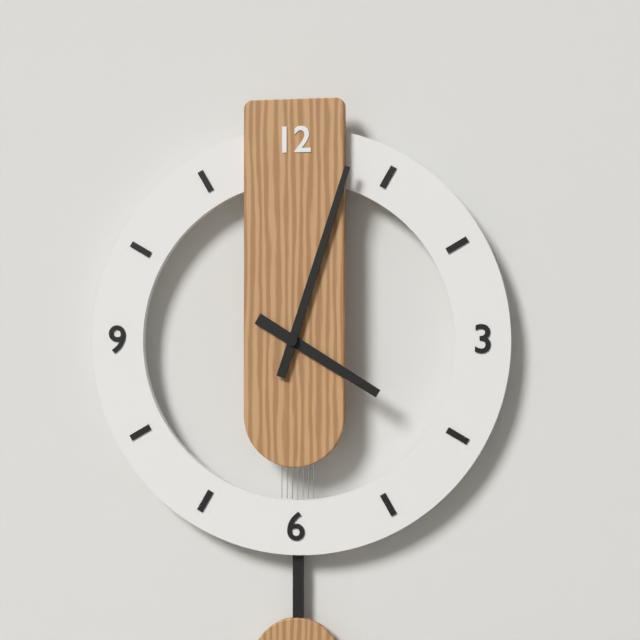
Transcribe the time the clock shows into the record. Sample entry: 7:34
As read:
4:03
